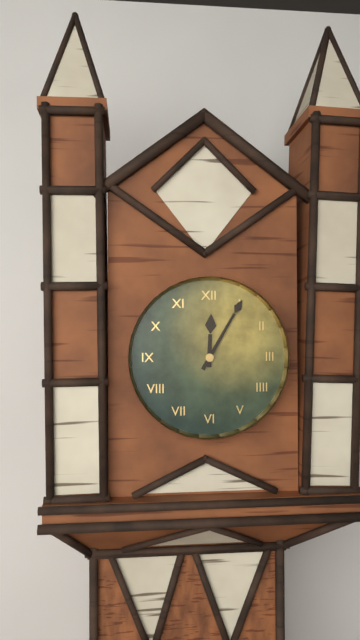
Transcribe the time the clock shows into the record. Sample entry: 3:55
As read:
12:05
